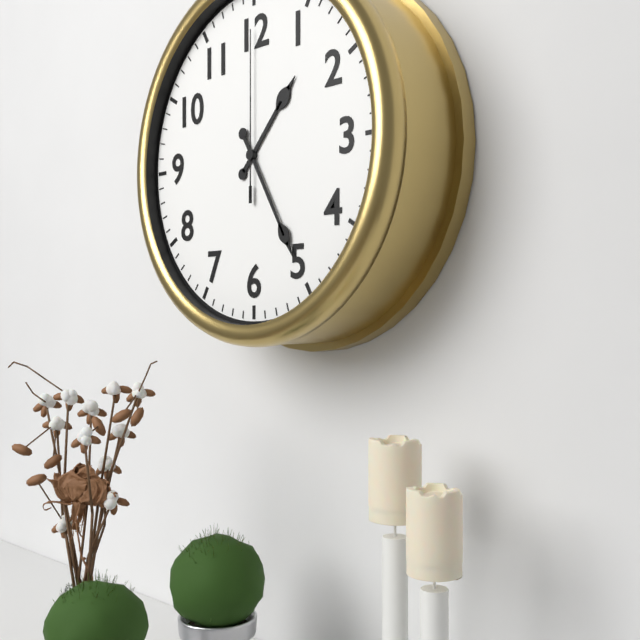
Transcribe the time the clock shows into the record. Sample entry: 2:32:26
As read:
1:25:00
